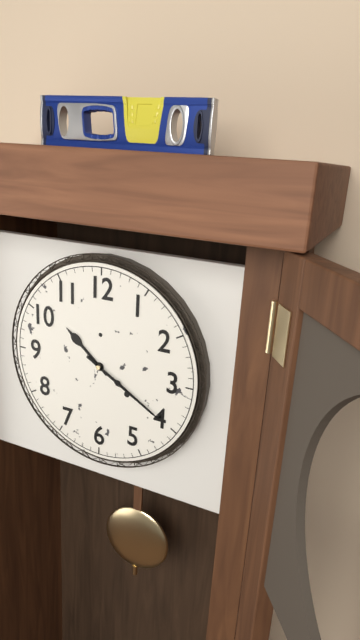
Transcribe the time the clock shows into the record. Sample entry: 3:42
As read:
10:20
